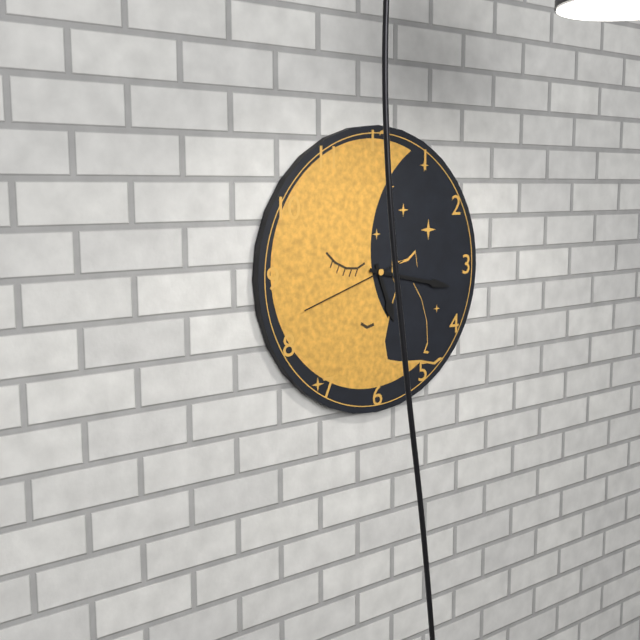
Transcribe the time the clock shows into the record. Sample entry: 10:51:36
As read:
5:17:42
